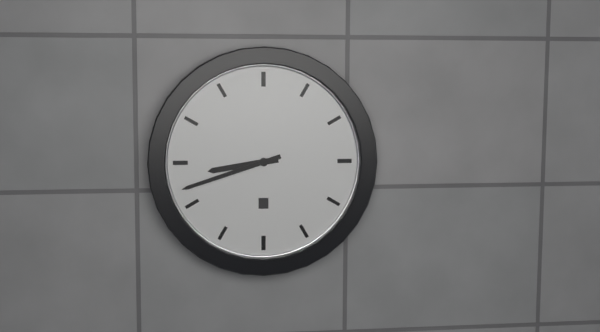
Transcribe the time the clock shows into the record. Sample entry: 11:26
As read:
8:42
